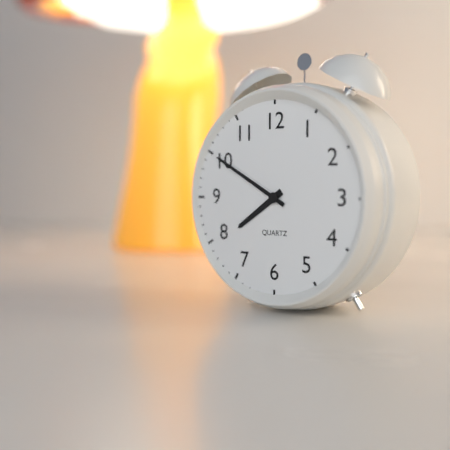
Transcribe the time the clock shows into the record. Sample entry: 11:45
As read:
7:50
